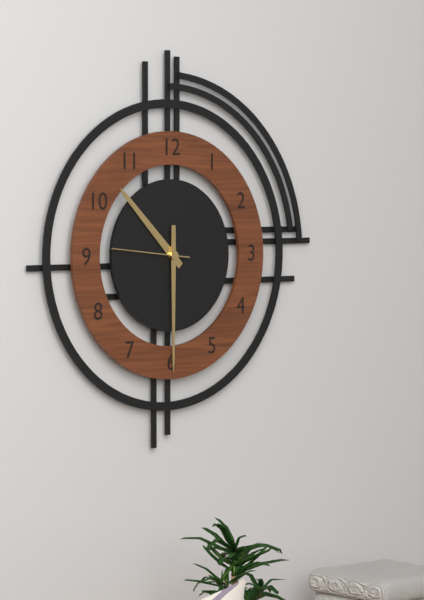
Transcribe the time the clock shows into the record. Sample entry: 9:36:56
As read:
10:30:46
